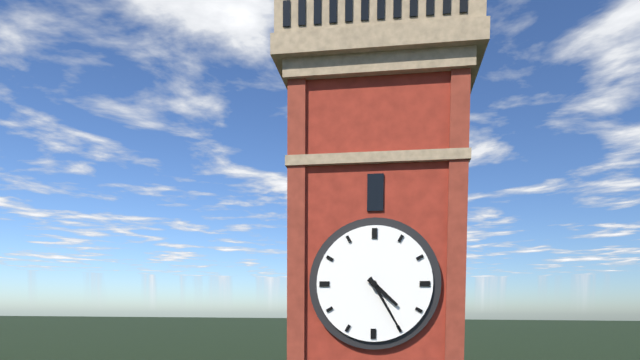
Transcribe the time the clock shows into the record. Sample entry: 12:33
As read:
4:25
